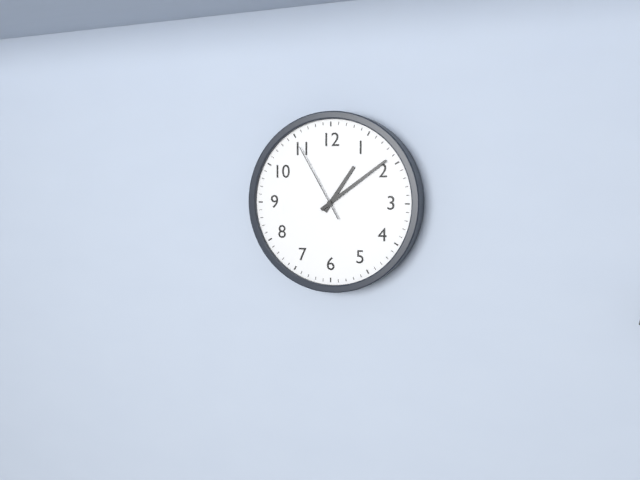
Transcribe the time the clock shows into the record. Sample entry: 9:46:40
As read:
1:09:55
